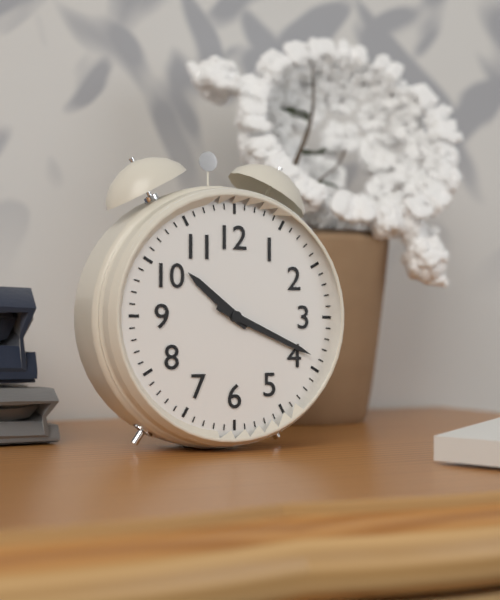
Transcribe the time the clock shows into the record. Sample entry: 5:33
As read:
10:19
